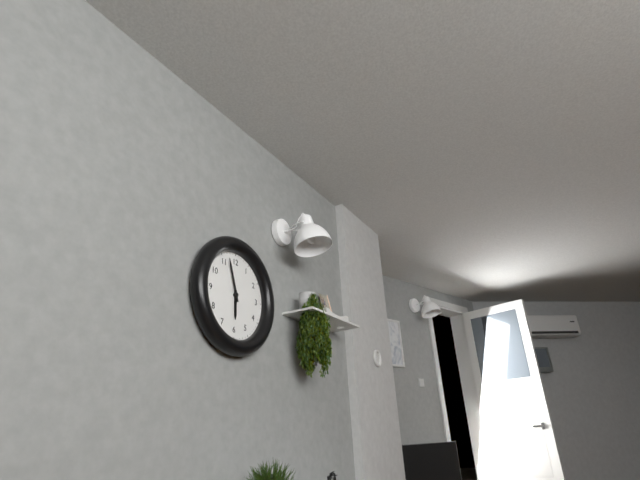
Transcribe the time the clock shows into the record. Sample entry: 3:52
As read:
5:57
